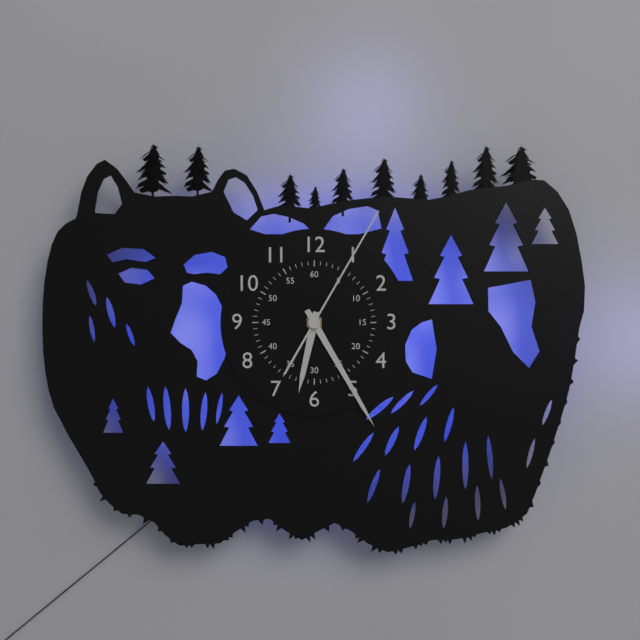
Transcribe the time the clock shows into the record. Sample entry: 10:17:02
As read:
6:25:05
